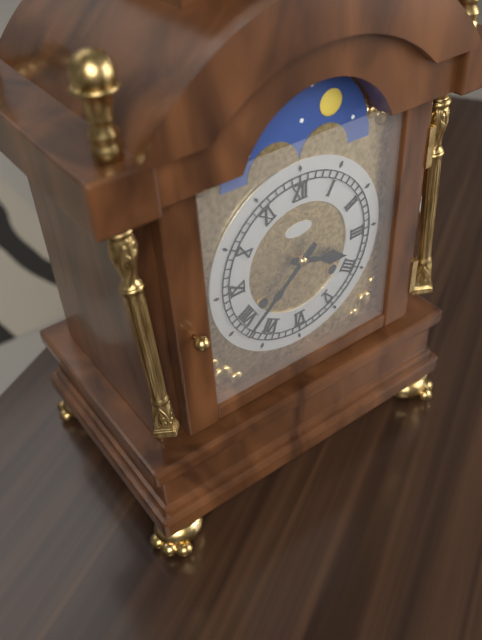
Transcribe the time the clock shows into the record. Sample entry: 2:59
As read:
3:38
